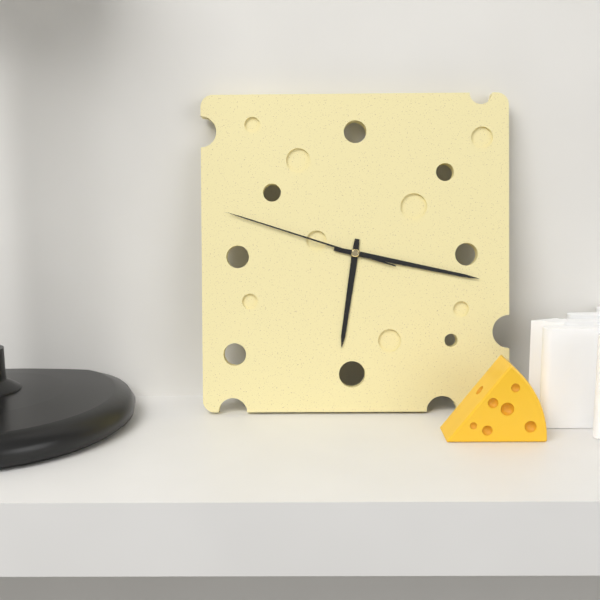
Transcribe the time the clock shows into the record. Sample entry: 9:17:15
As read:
6:17:48
